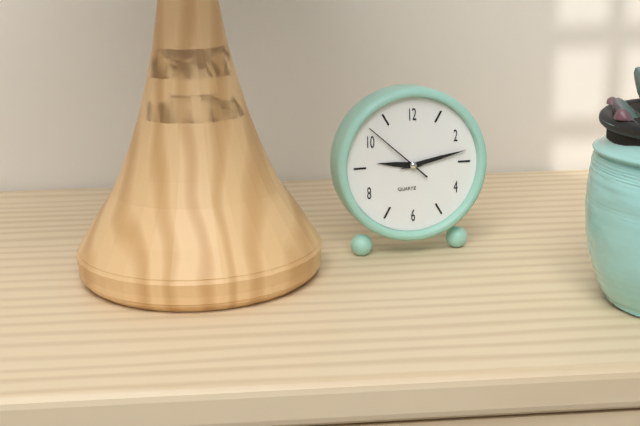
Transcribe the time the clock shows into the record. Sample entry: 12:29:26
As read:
9:13:52
